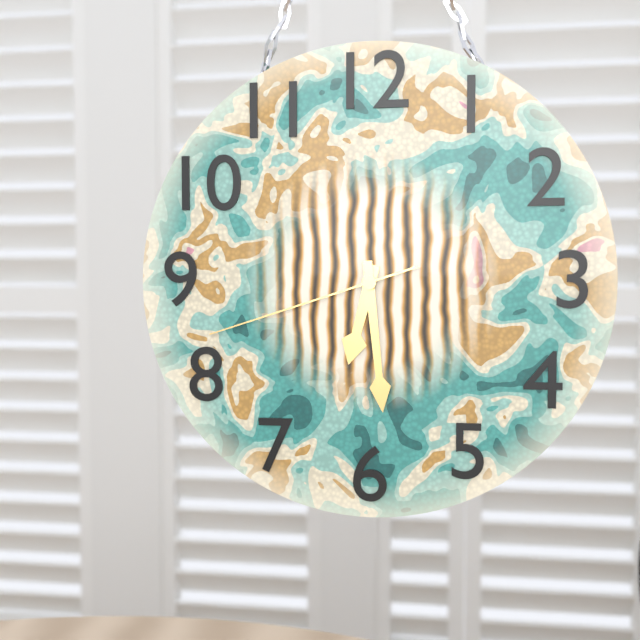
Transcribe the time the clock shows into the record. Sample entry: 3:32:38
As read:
6:29:42
